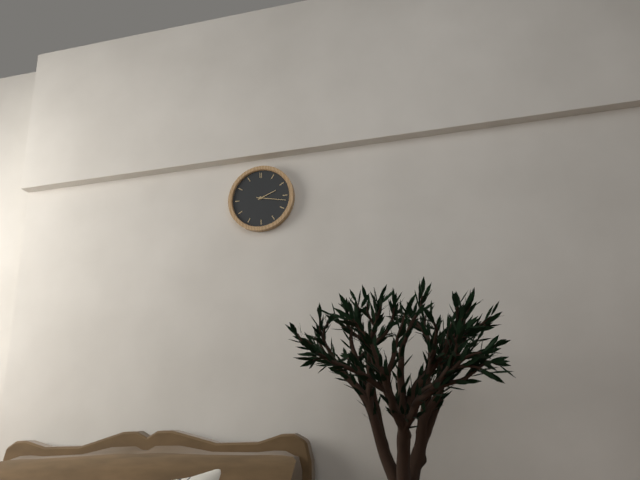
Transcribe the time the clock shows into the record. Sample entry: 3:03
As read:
2:17
